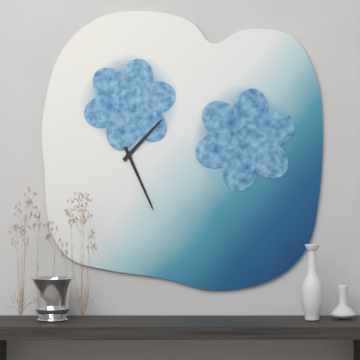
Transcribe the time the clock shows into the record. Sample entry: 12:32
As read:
1:26
